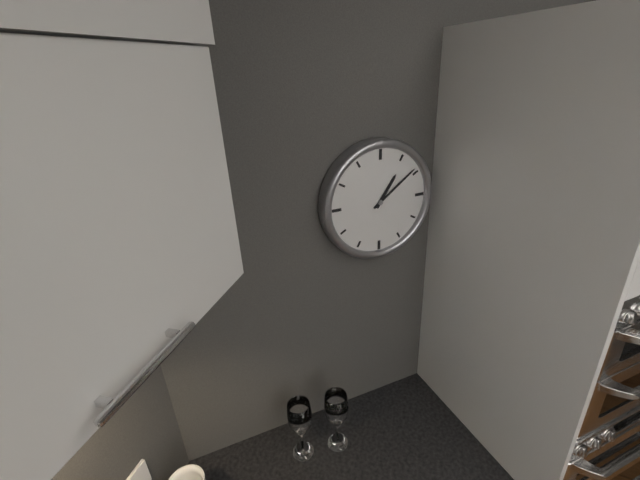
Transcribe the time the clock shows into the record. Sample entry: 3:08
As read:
1:09
